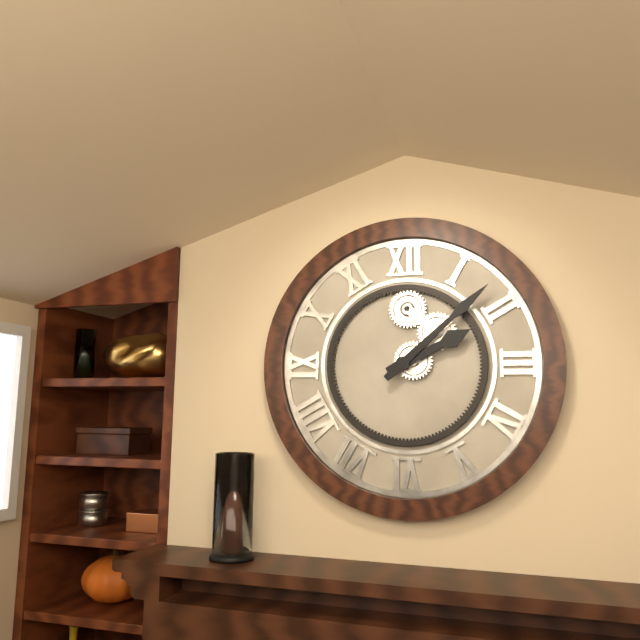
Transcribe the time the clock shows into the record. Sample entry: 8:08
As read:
2:08
